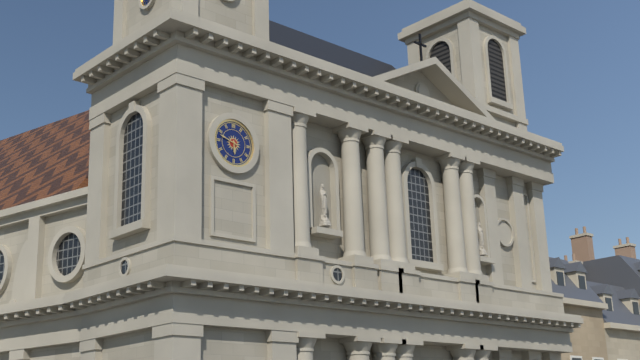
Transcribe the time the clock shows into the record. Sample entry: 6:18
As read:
5:48
